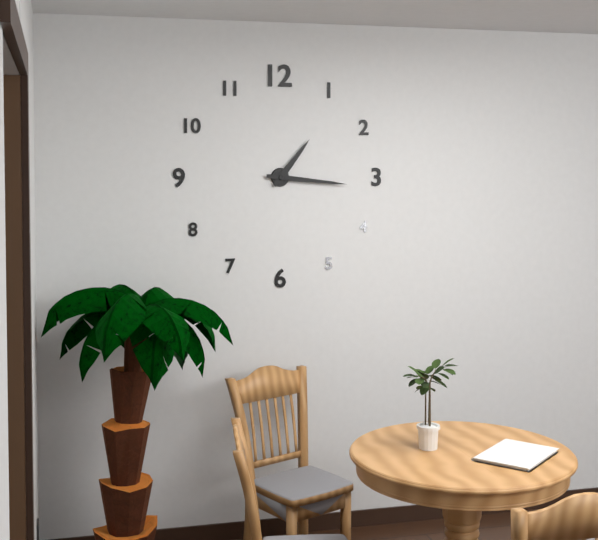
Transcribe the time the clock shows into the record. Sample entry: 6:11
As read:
1:16
